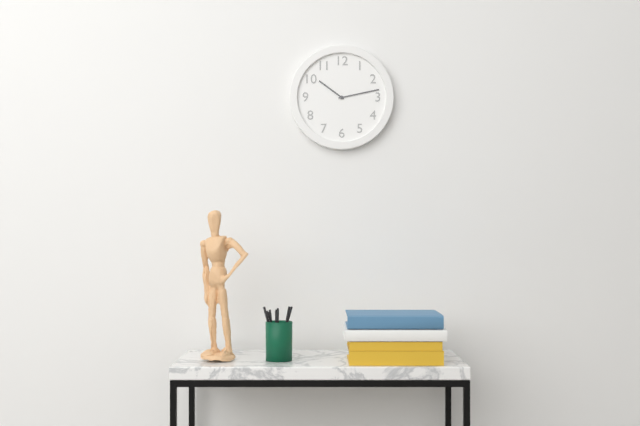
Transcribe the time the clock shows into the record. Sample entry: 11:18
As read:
10:13
